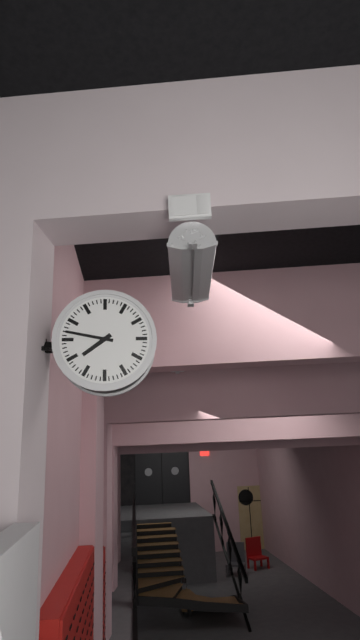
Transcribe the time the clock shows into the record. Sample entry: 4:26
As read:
7:47
